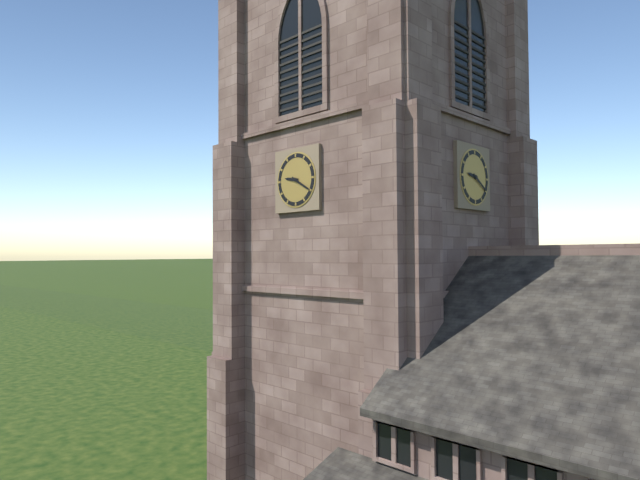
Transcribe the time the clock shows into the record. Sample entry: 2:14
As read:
9:20
